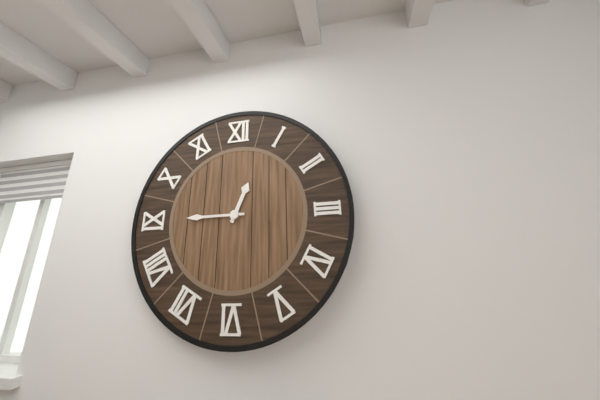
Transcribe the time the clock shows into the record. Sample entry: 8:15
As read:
12:45
